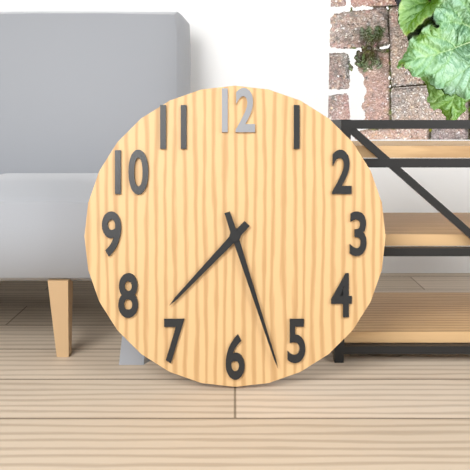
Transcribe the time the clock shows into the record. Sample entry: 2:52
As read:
7:27
